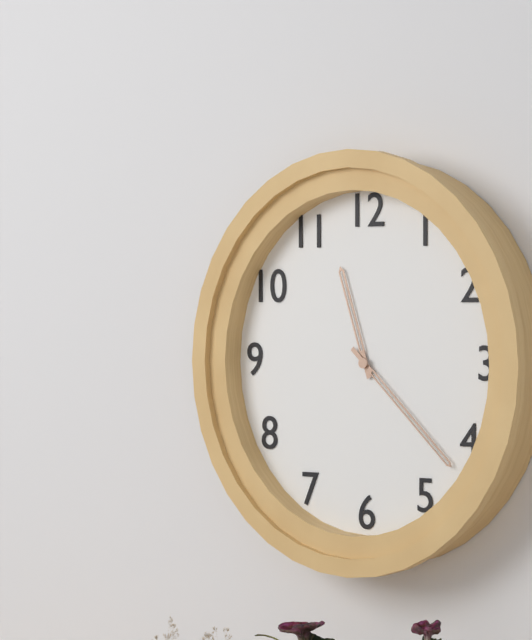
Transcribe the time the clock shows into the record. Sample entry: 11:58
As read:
11:22
